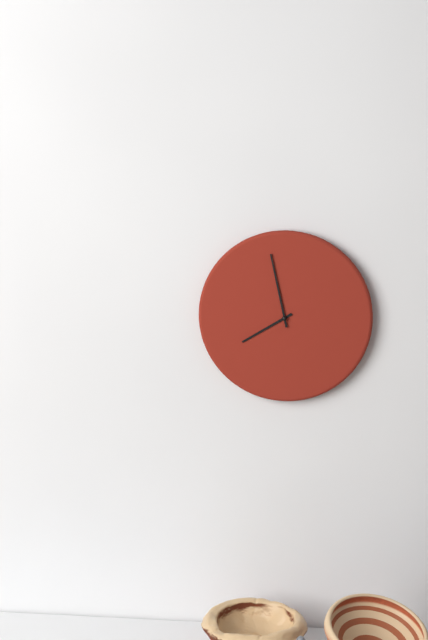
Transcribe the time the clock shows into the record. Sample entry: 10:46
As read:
7:58
